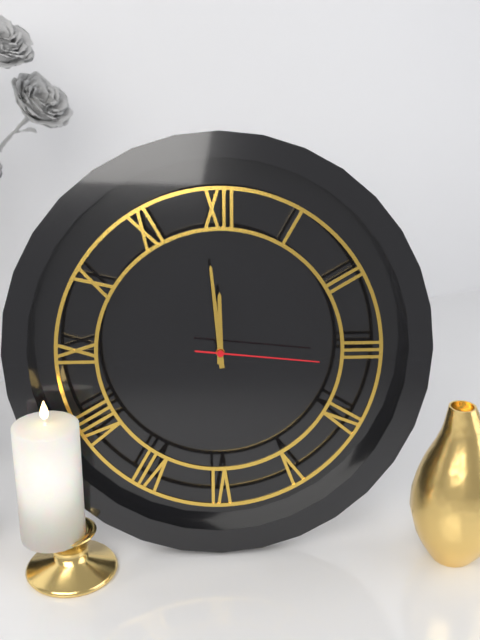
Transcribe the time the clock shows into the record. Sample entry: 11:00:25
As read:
11:59:16
